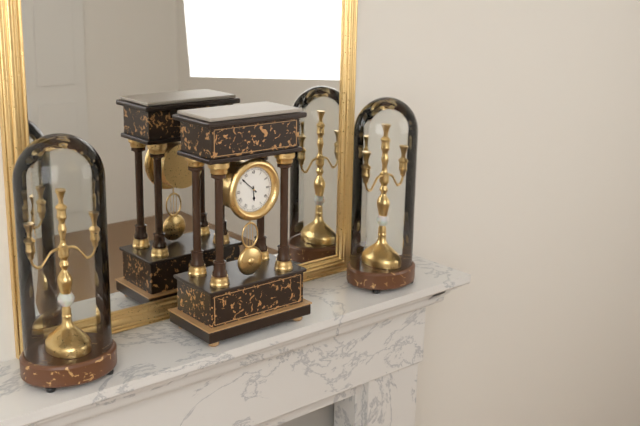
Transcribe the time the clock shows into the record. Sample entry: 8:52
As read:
5:52
